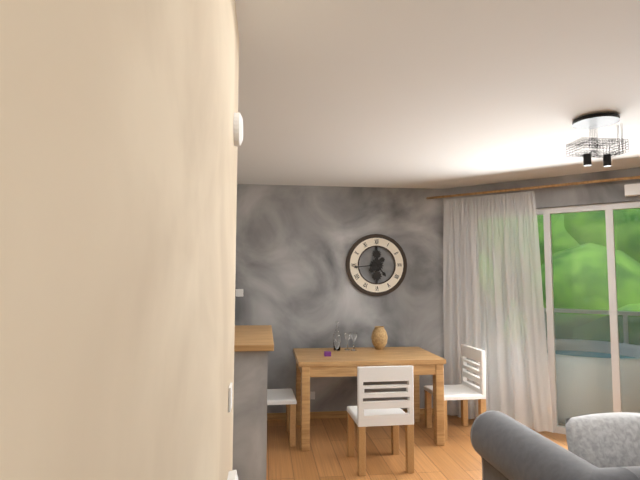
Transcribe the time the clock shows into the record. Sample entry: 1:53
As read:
4:44
